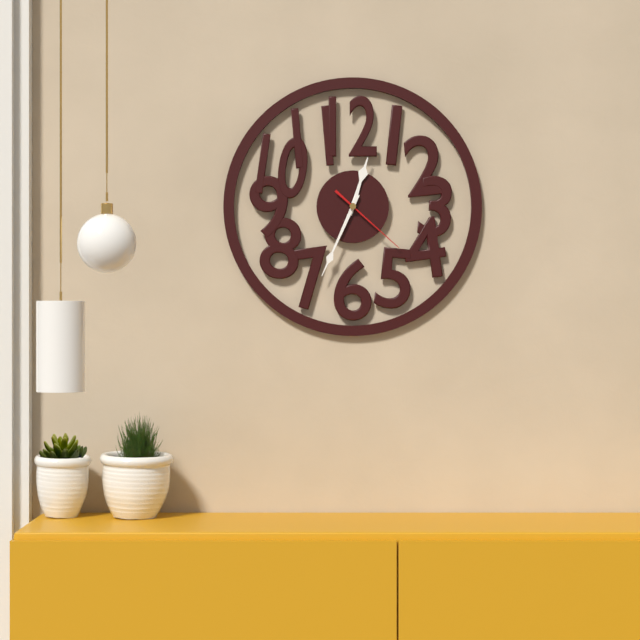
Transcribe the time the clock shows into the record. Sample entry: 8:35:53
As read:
12:34:22
